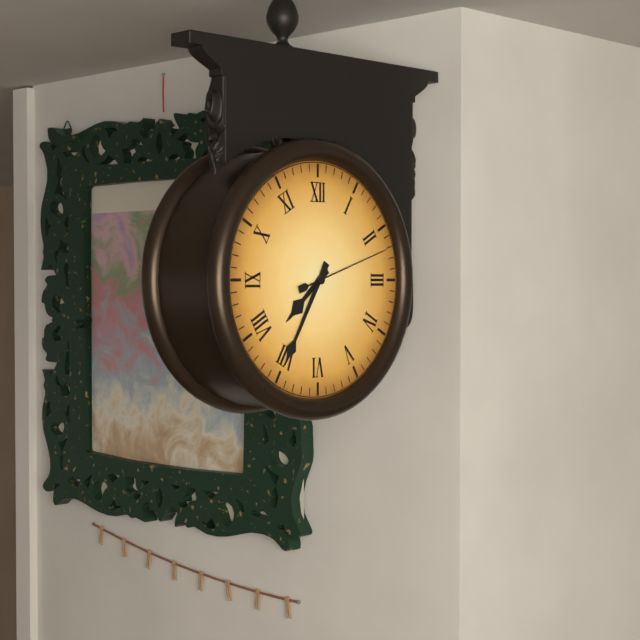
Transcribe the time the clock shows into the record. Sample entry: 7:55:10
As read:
7:35:12
